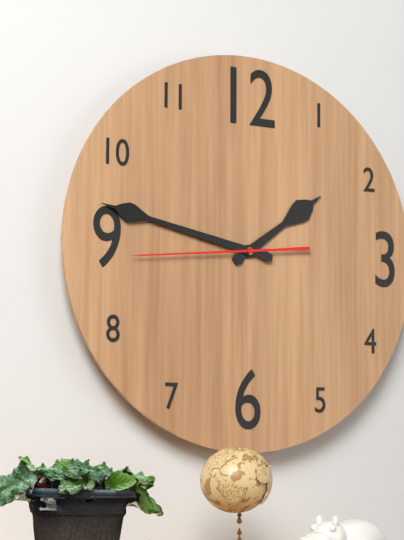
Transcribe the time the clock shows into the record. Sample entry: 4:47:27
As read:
1:47:44
